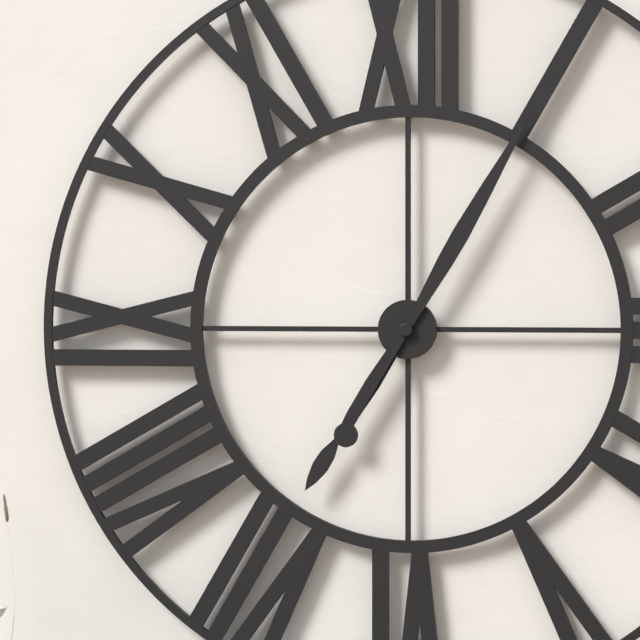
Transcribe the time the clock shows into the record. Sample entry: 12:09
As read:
7:05
